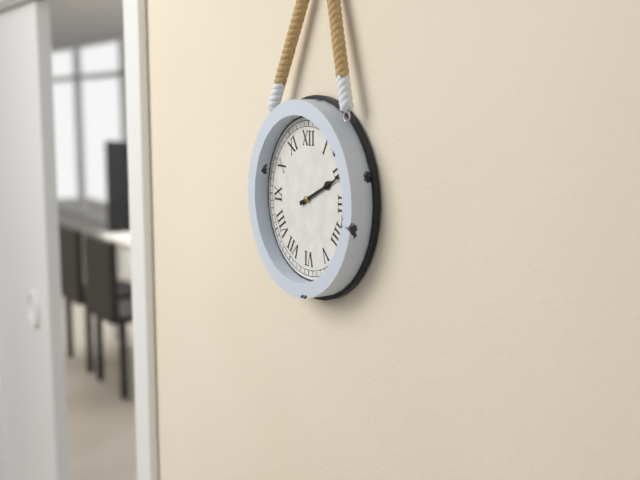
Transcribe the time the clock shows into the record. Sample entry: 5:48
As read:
2:11
